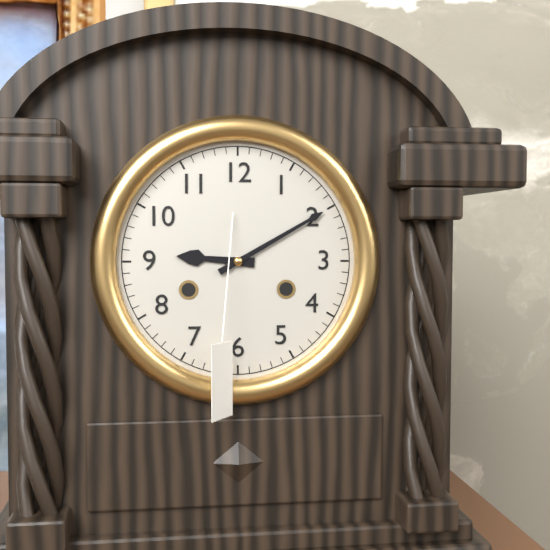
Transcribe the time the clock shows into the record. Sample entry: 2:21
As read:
9:10
